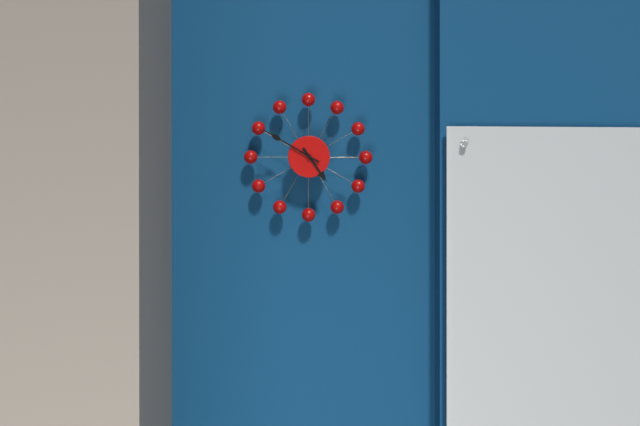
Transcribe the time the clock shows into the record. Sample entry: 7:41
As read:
4:50
